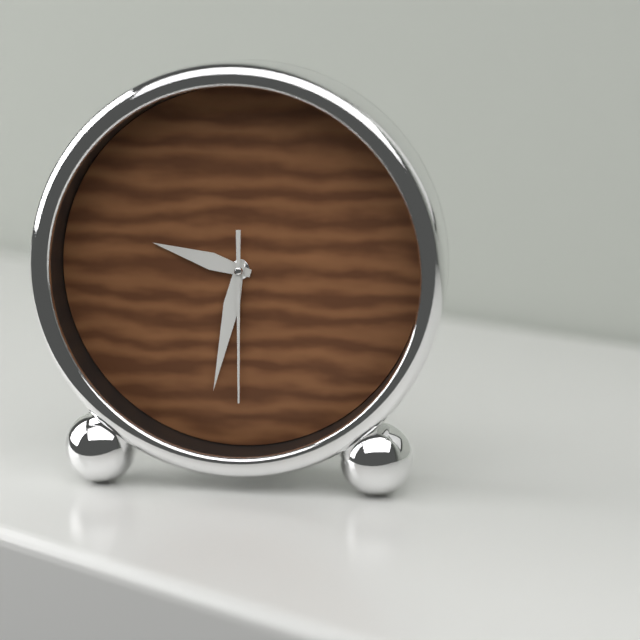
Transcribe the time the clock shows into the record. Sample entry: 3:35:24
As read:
9:32:30
